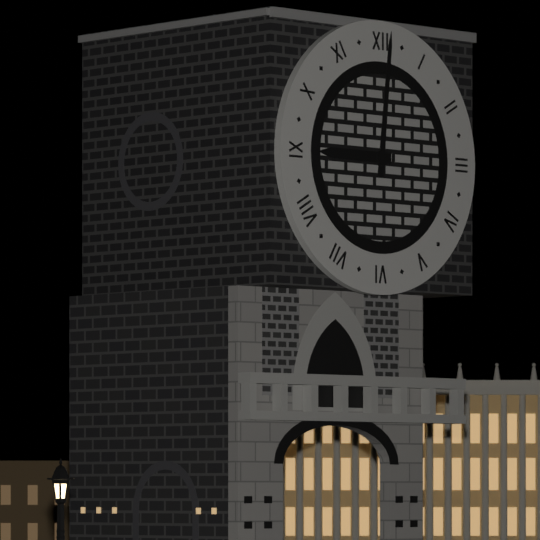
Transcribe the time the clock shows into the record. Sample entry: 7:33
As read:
9:01
